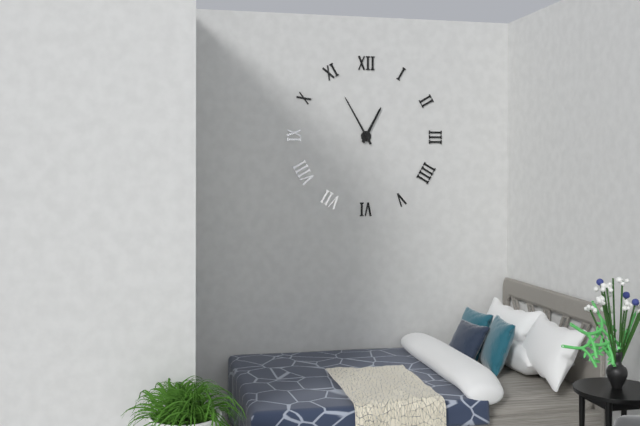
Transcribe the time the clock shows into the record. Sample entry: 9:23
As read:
12:55
